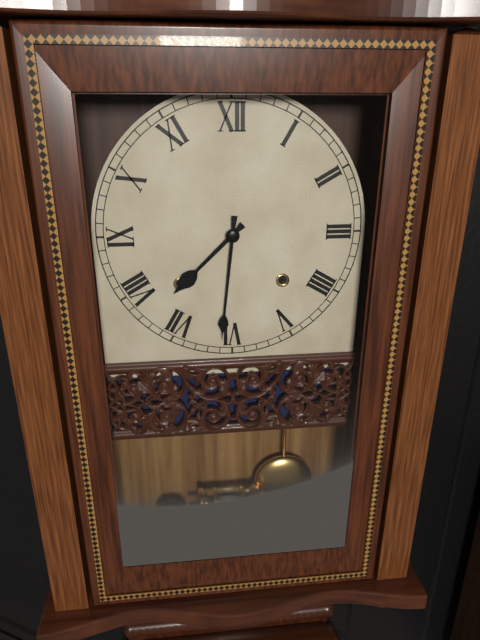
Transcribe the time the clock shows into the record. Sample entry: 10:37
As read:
7:31
